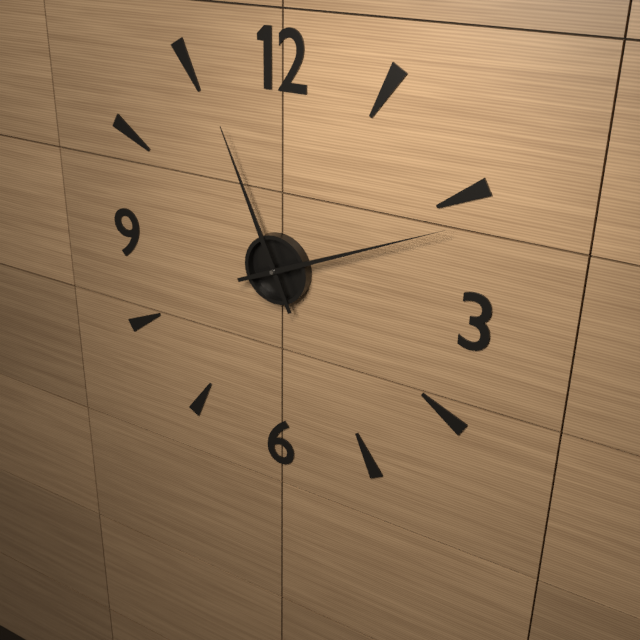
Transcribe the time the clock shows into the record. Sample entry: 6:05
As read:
11:11
